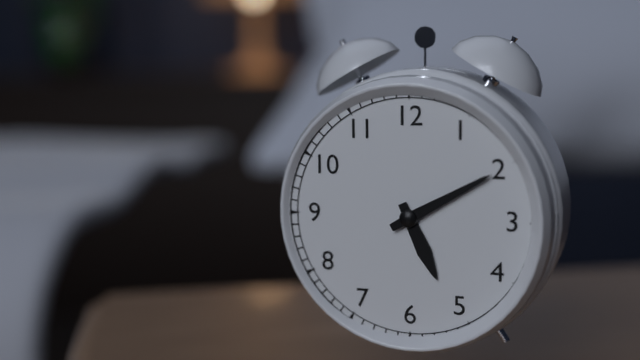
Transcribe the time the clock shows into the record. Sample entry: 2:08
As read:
5:10
